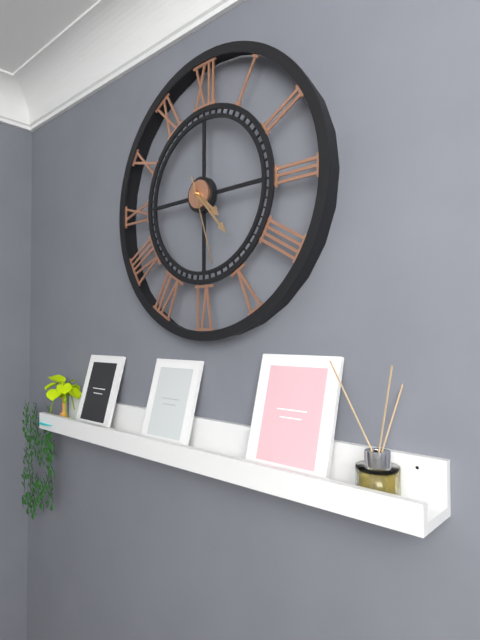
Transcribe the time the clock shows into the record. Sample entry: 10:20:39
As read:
4:23:27
